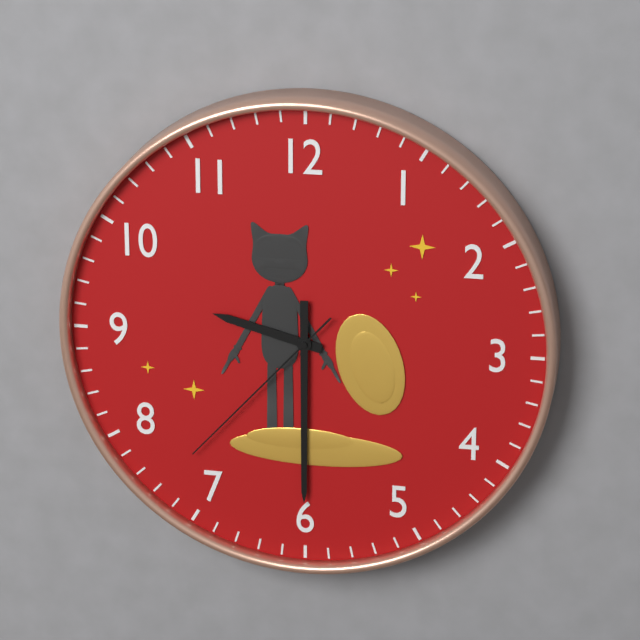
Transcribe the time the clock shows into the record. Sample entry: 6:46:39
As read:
9:30:37
